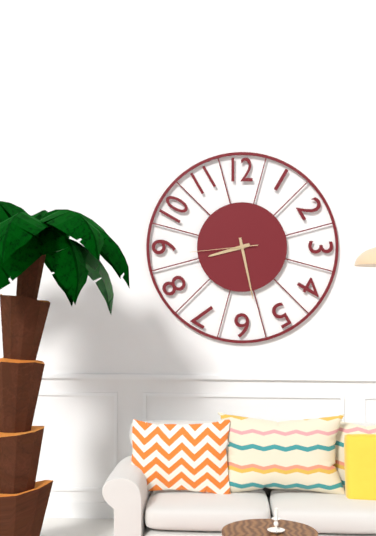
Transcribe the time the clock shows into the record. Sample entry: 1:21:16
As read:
8:28:44
